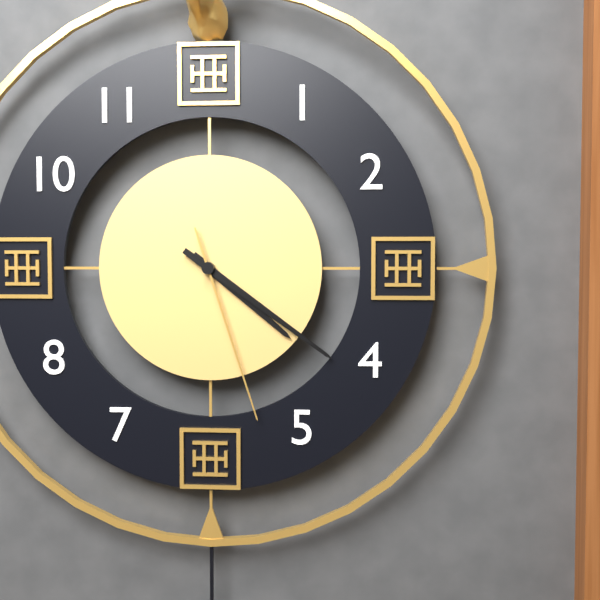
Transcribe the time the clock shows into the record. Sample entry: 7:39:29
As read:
4:21:27
